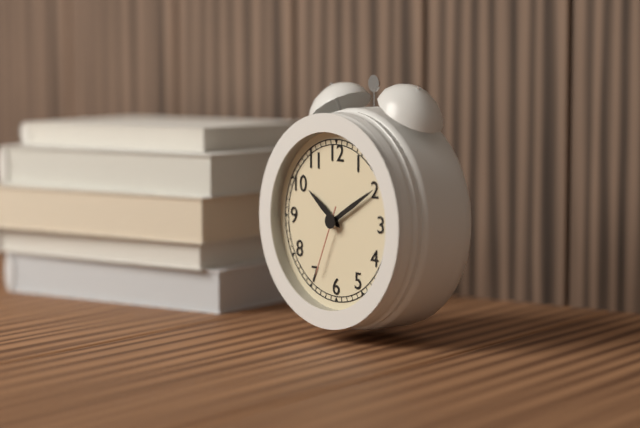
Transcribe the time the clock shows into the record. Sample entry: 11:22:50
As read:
10:10:34
